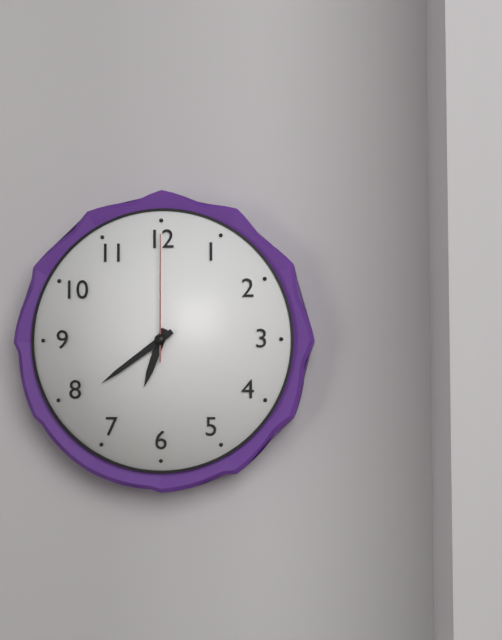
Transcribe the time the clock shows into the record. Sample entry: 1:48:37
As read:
6:39:00
